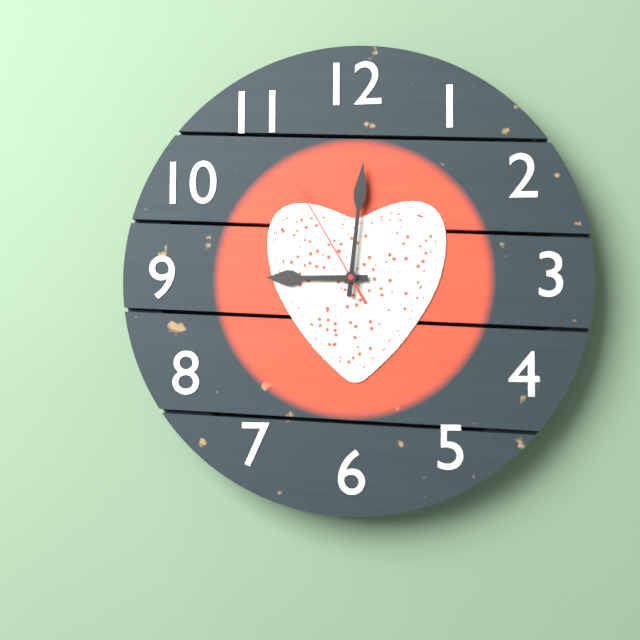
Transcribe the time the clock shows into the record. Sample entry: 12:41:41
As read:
9:01:55
